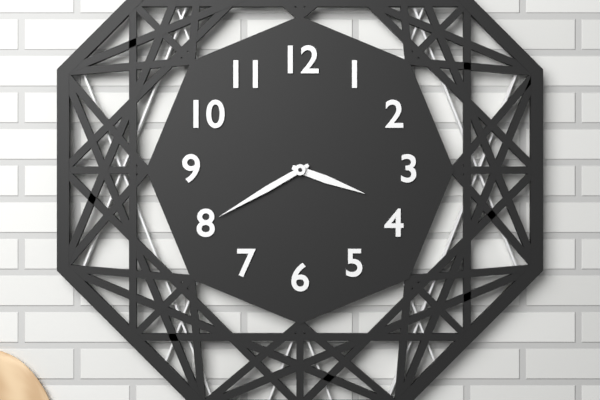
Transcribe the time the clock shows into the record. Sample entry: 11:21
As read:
3:40
